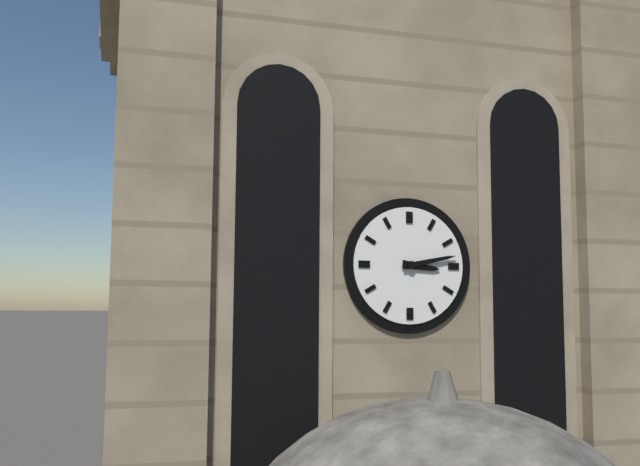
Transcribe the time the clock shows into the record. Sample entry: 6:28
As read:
3:13
